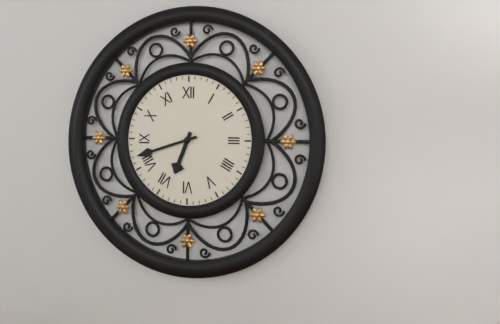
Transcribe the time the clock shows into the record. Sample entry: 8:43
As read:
6:42
